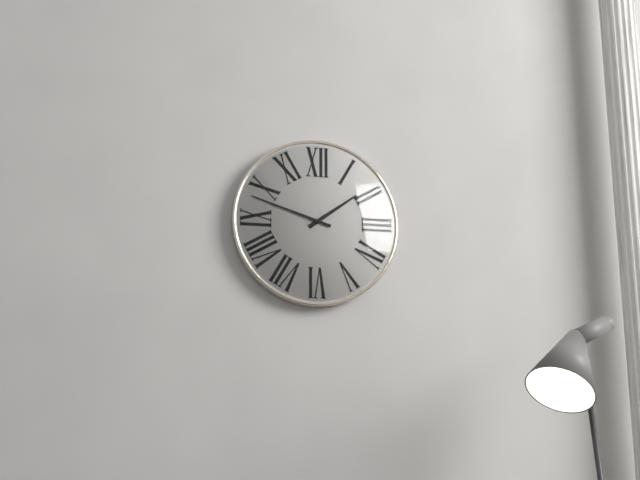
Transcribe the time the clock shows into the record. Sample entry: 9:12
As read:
1:48
